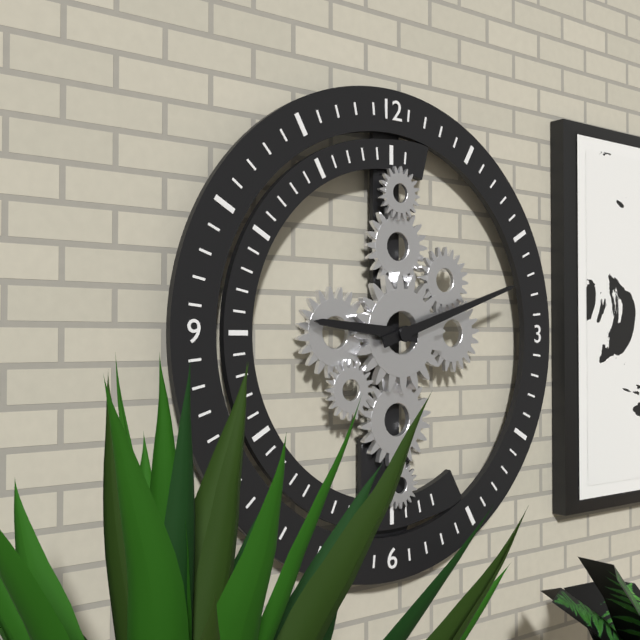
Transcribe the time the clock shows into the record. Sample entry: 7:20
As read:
9:12
